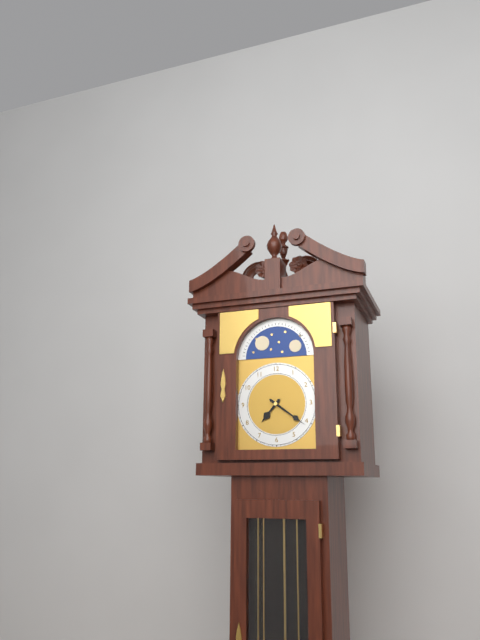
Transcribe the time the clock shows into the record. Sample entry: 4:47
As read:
7:21
